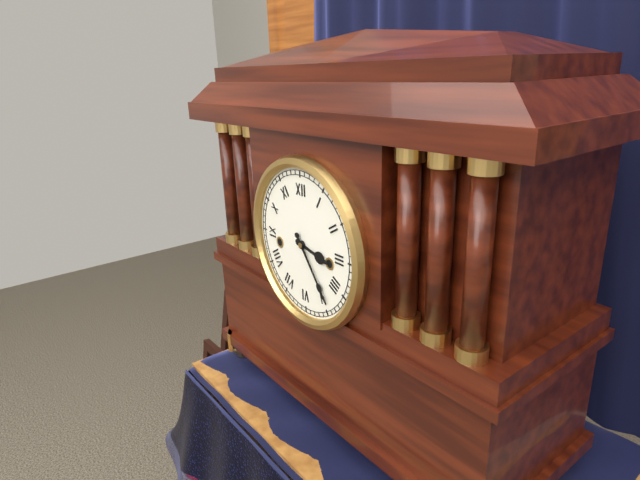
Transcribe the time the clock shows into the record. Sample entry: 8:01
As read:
3:24
